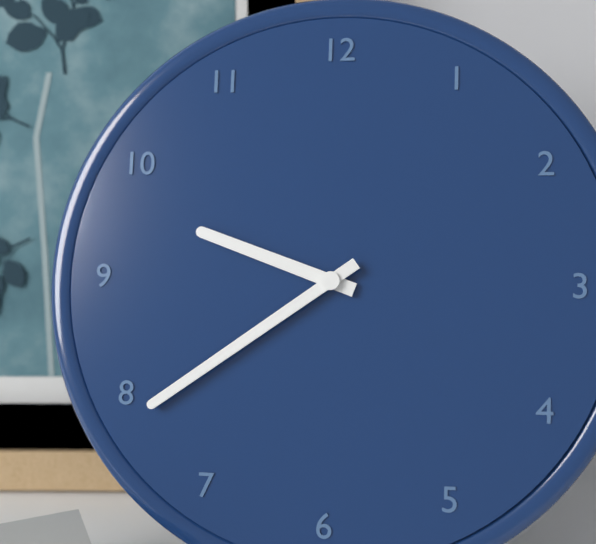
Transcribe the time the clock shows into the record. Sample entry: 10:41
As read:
9:39
